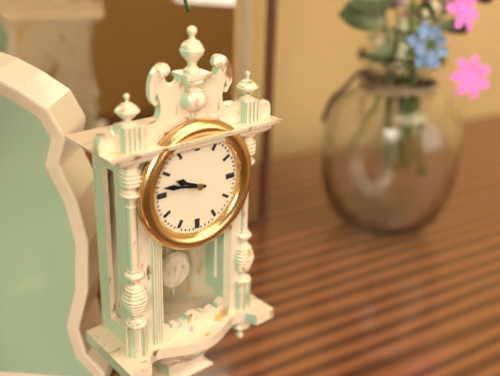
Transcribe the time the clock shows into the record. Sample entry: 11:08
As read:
9:47
